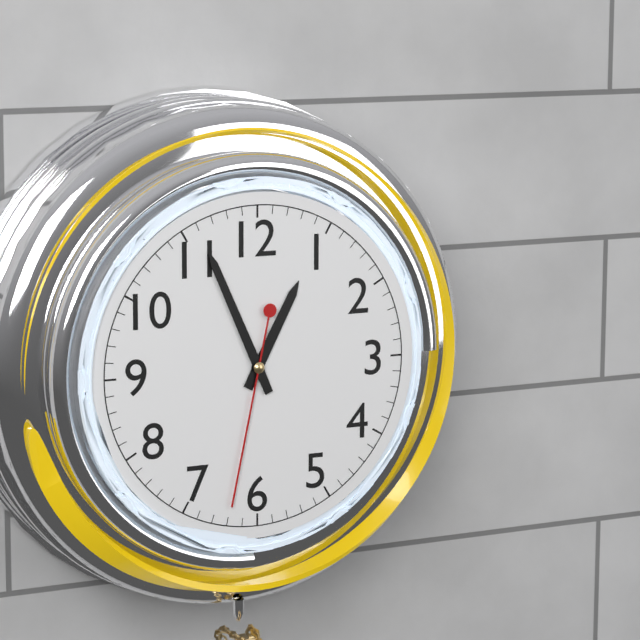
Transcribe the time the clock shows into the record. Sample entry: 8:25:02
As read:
12:56:32
